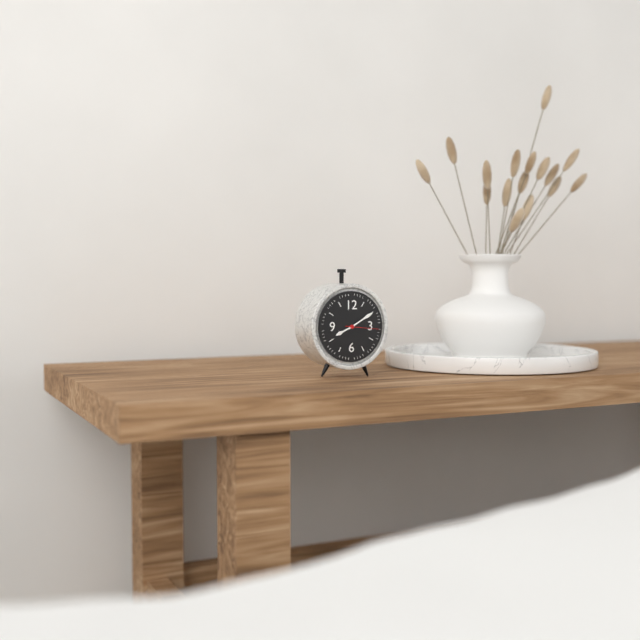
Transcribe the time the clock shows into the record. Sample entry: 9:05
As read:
8:10
